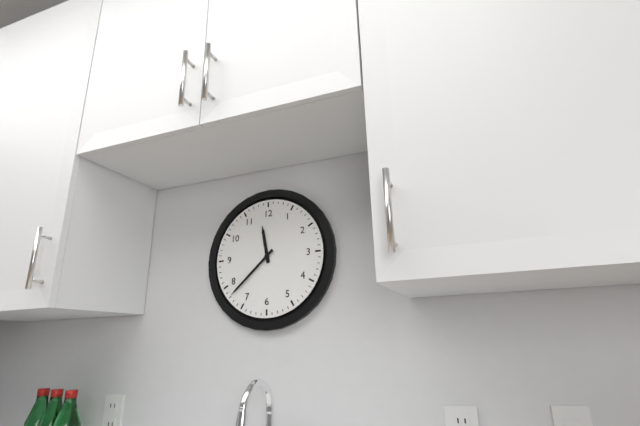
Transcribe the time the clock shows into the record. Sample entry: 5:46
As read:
11:38
